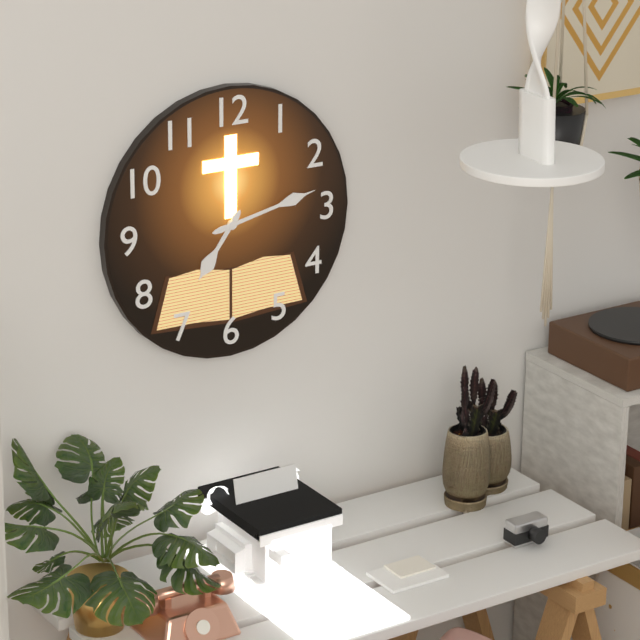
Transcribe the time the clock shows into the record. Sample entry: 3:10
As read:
7:13
